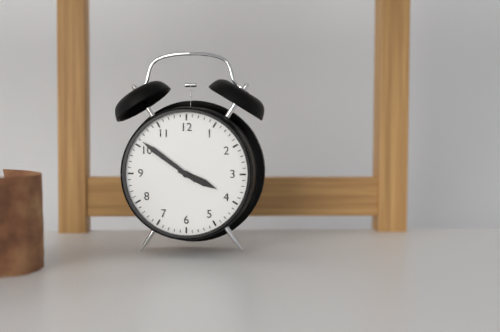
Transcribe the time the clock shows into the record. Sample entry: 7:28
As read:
3:51
